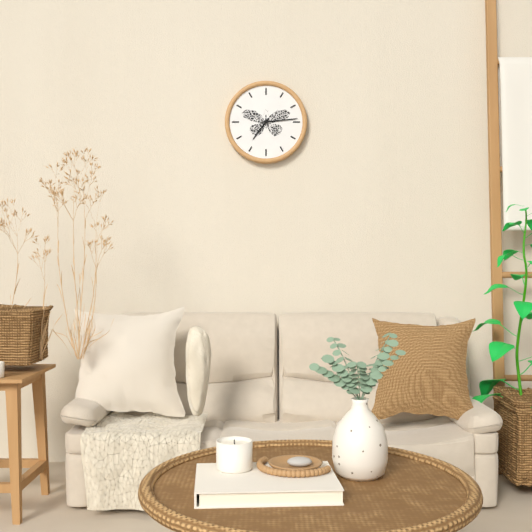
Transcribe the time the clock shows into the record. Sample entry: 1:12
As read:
7:14
